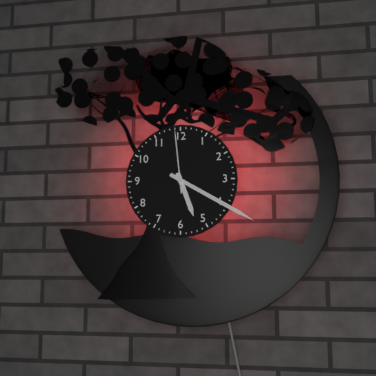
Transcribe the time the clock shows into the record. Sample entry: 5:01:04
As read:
5:20:59
